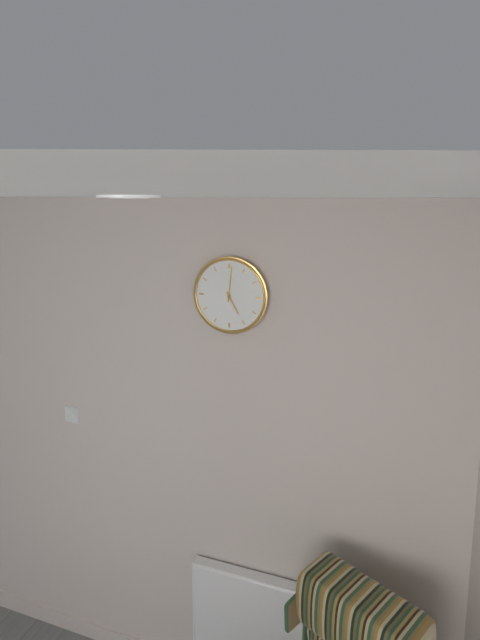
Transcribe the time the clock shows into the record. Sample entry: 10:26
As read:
5:01
